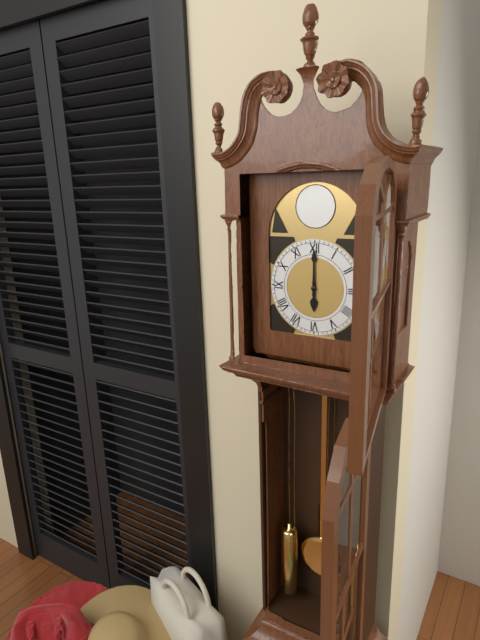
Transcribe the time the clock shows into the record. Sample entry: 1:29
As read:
6:00
